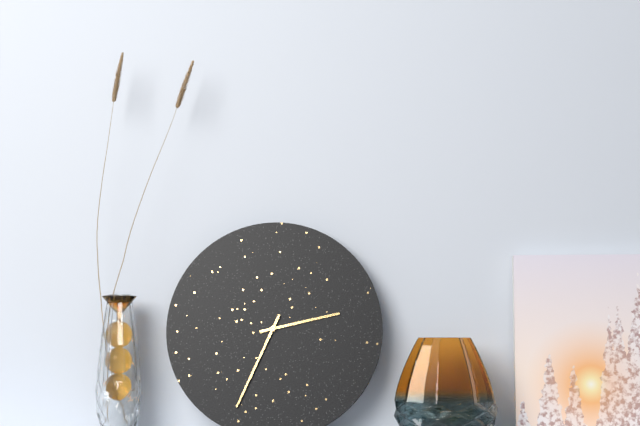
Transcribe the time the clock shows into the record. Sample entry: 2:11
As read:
2:34
